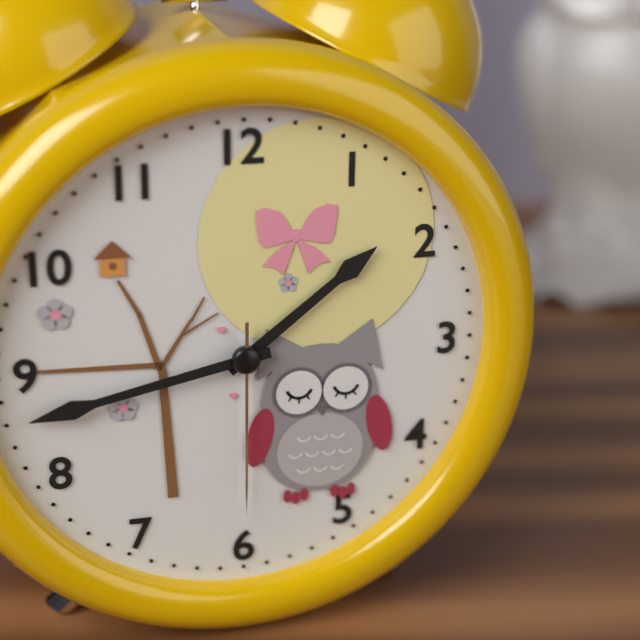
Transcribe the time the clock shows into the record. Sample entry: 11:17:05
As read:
1:43:30
